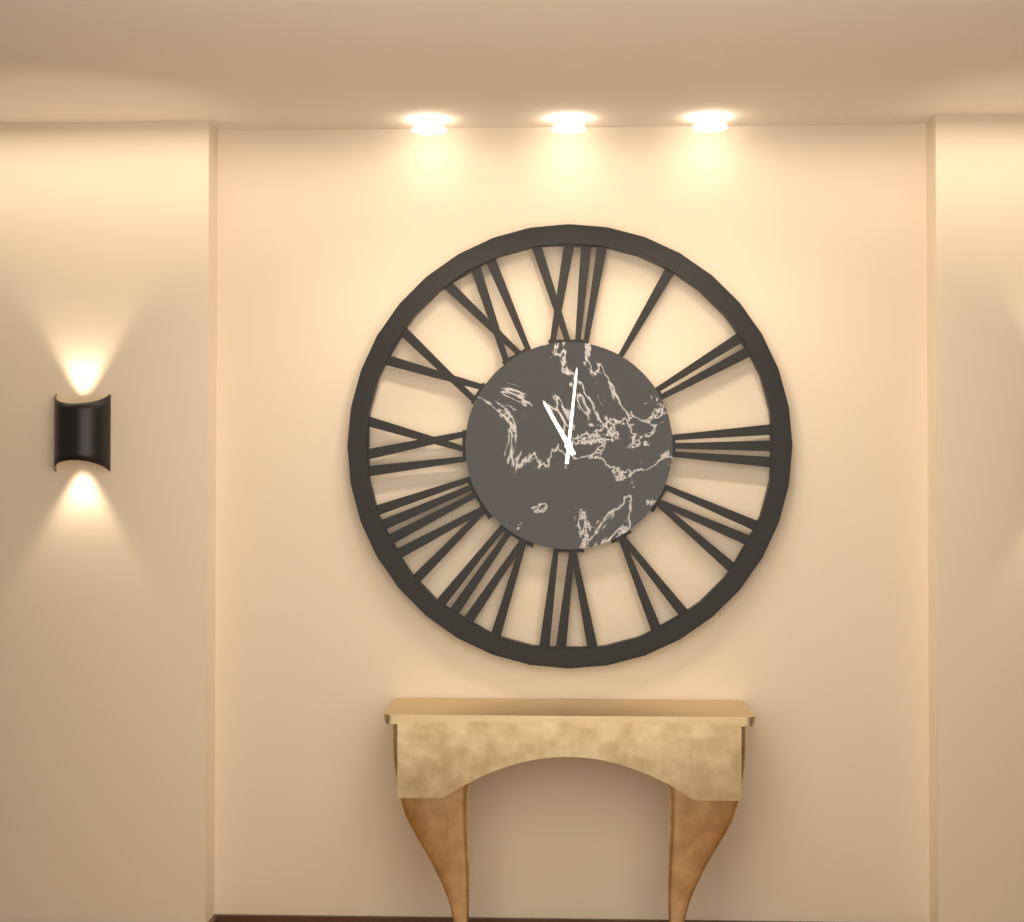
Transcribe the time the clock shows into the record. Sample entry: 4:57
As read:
11:01
